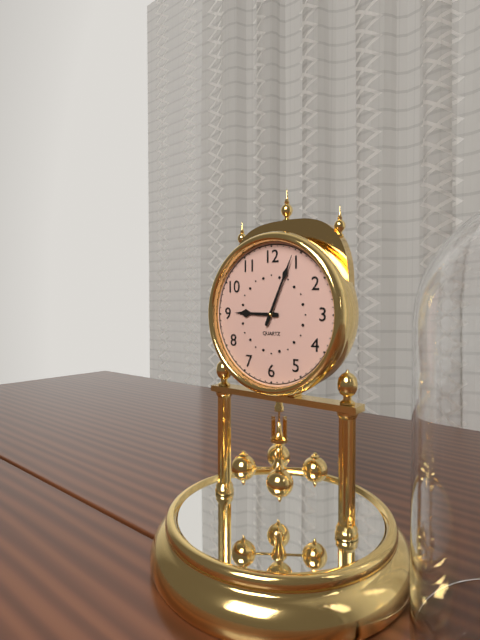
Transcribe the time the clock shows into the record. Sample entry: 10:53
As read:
9:04
